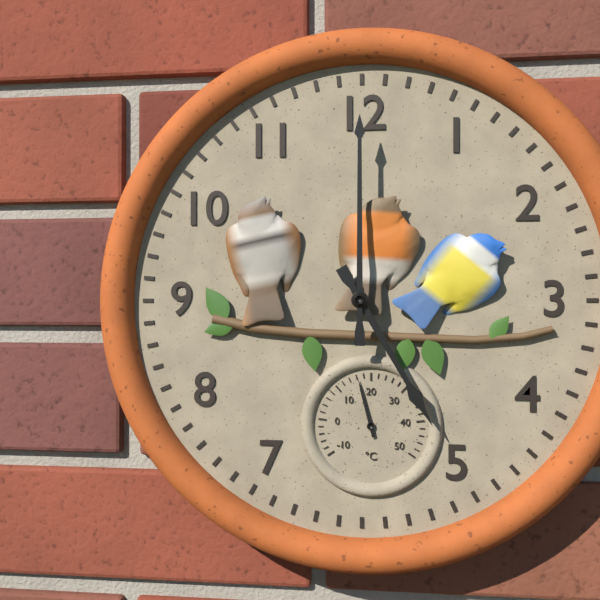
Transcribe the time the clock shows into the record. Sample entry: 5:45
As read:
5:00
